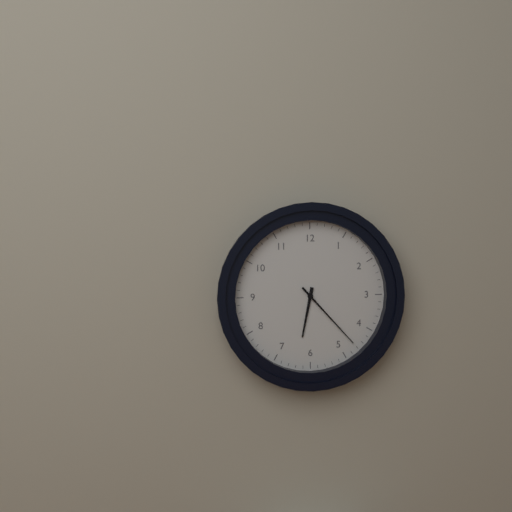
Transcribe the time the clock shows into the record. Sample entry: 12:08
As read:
6:23
